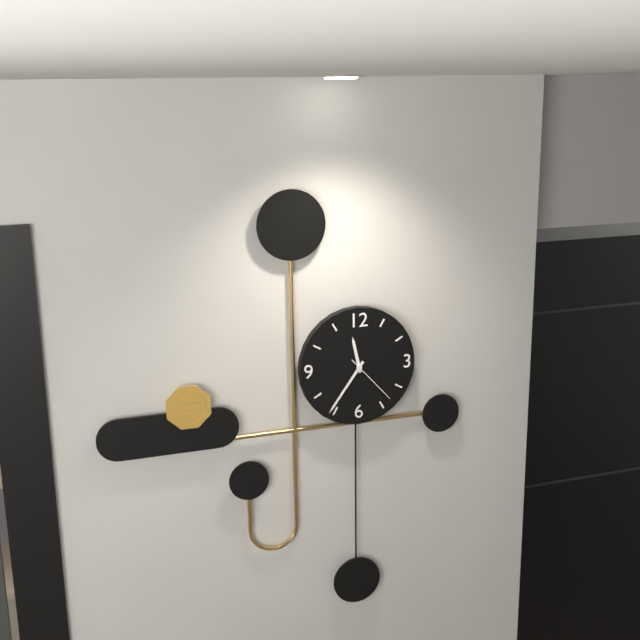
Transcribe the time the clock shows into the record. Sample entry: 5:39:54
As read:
11:36:23
